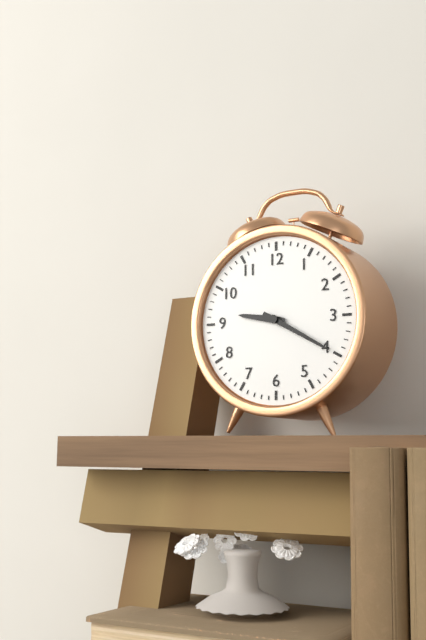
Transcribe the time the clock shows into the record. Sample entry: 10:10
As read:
9:20
